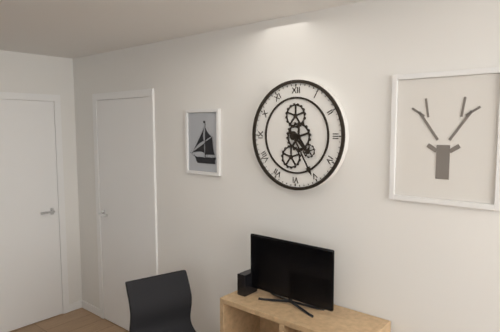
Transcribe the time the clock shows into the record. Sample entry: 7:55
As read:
4:25
